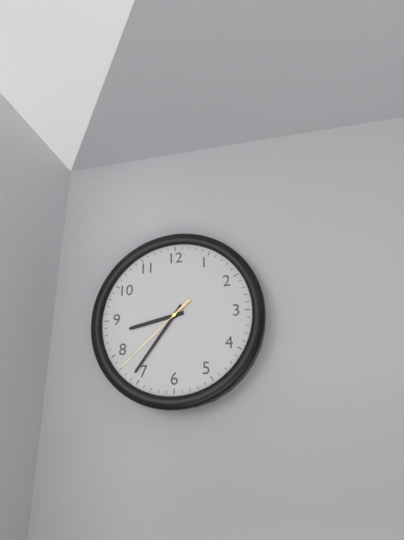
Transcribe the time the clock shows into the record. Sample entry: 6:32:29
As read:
8:36:38
